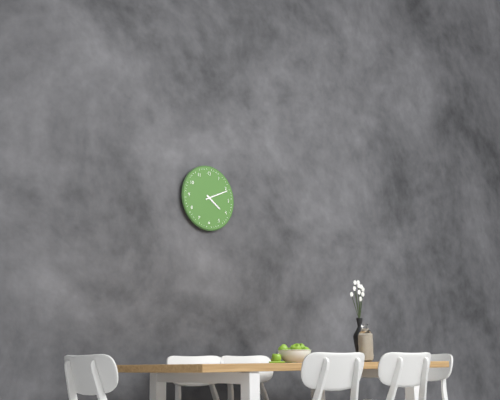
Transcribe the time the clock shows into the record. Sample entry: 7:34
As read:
4:11
